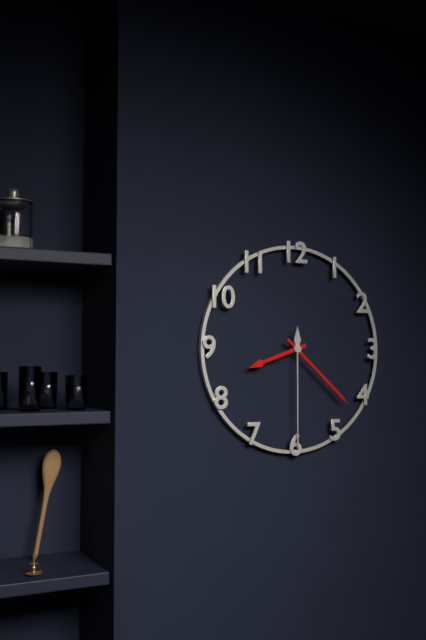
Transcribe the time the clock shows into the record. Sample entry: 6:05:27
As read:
8:22:30
